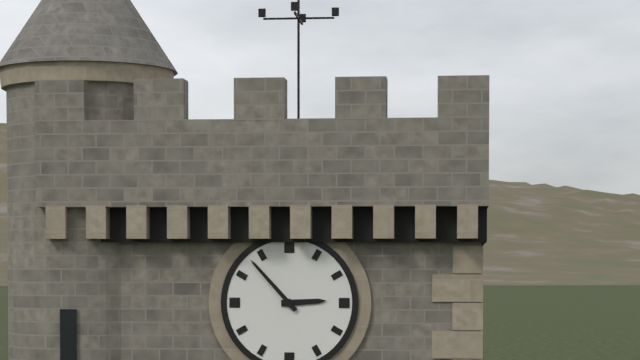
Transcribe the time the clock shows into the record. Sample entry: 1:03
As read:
2:53
